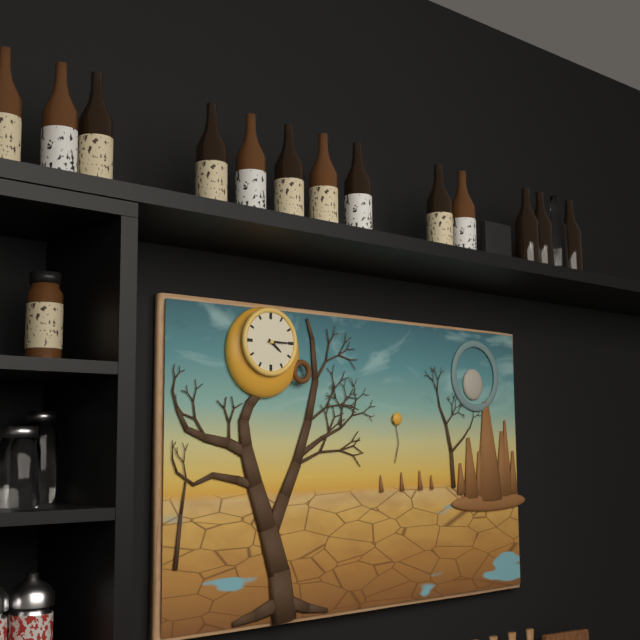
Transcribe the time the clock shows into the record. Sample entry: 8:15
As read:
4:15
